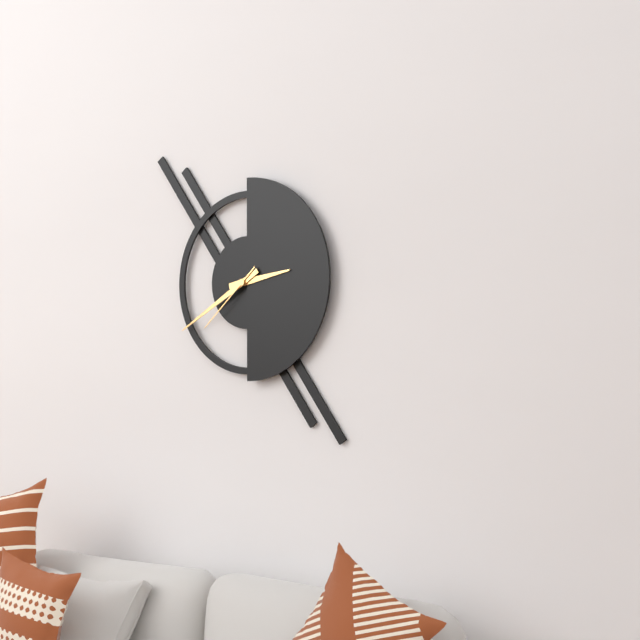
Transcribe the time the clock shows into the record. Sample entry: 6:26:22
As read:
2:40:38
